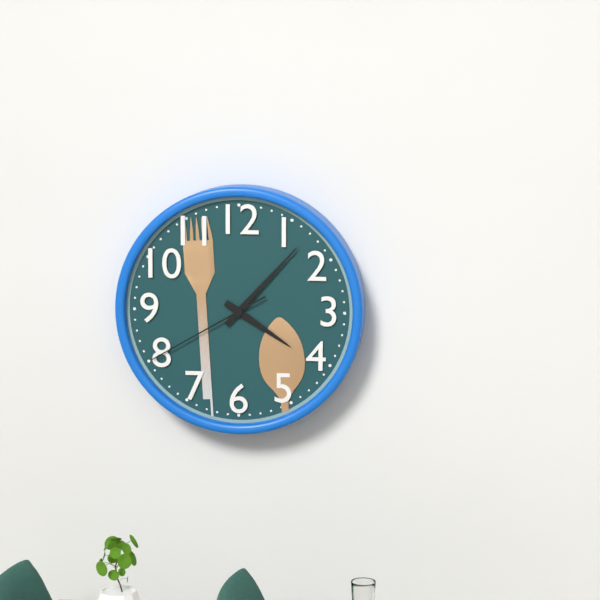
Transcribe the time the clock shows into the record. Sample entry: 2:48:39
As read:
4:07:40
